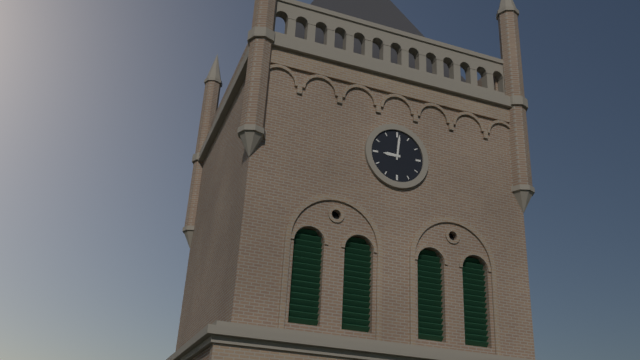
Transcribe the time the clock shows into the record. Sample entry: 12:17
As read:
9:01
